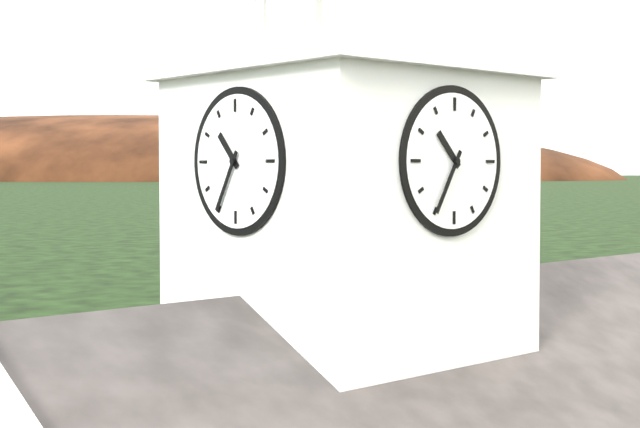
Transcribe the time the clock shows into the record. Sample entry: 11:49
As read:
10:35
